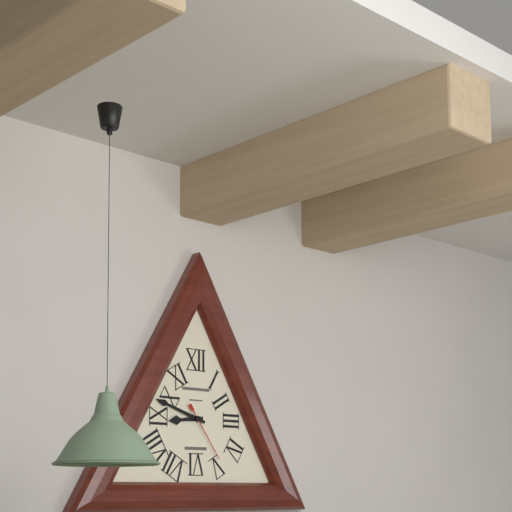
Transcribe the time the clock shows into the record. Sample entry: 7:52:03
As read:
8:48:24
